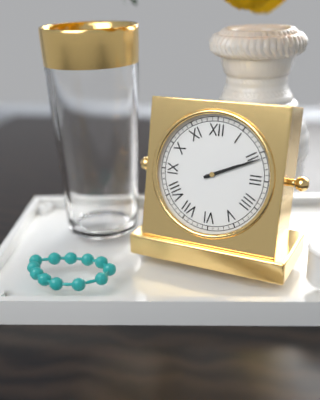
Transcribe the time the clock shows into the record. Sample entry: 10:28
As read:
2:11
